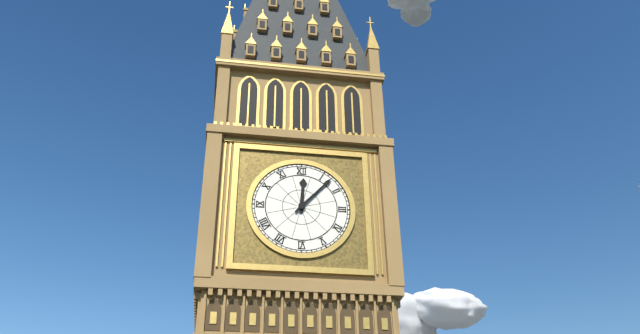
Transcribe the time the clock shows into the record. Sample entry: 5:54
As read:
12:07
